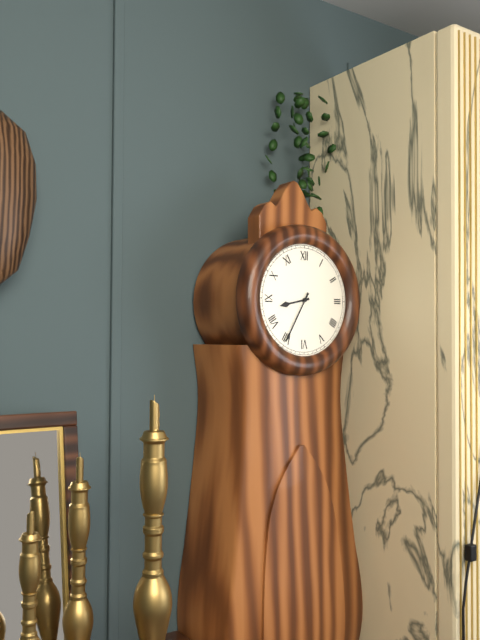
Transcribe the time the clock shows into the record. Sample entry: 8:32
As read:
8:35
